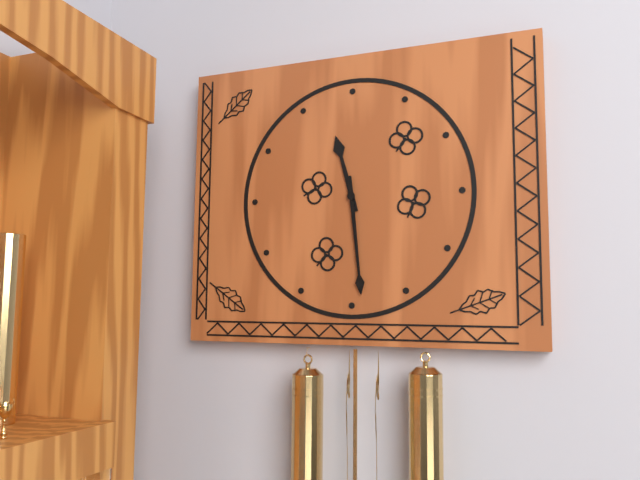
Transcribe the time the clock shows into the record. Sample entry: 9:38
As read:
11:29
